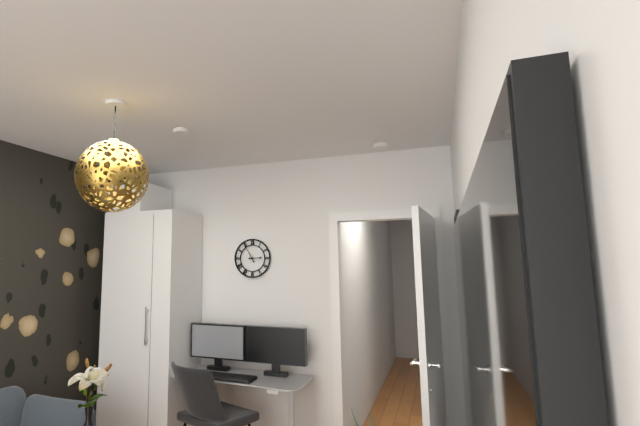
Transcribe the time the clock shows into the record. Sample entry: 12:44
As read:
2:55
